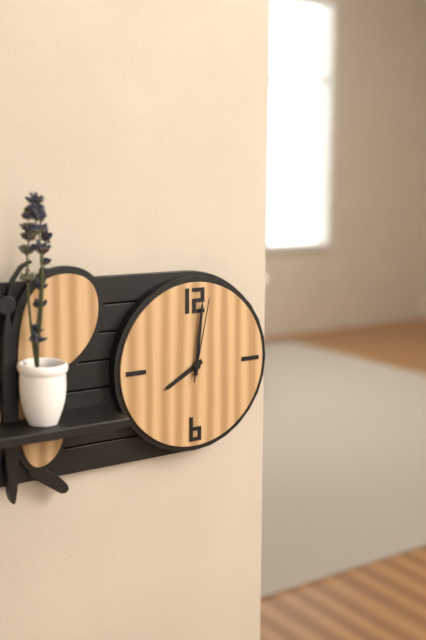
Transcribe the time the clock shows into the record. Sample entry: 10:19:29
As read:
8:01:02
